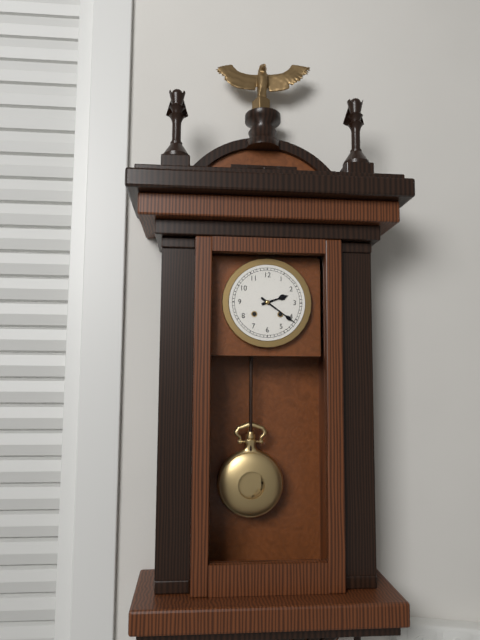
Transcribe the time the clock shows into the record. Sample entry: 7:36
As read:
2:21
